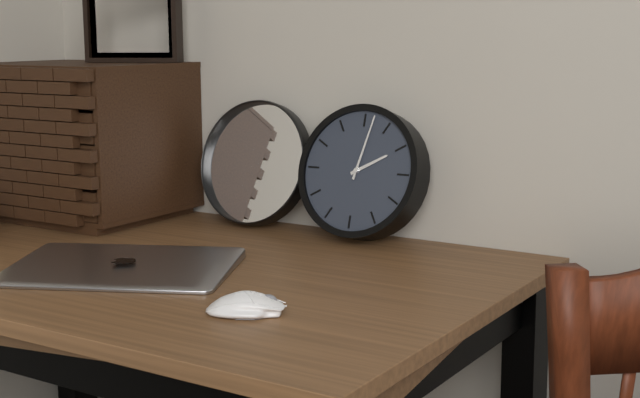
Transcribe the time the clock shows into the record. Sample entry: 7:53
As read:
2:02
